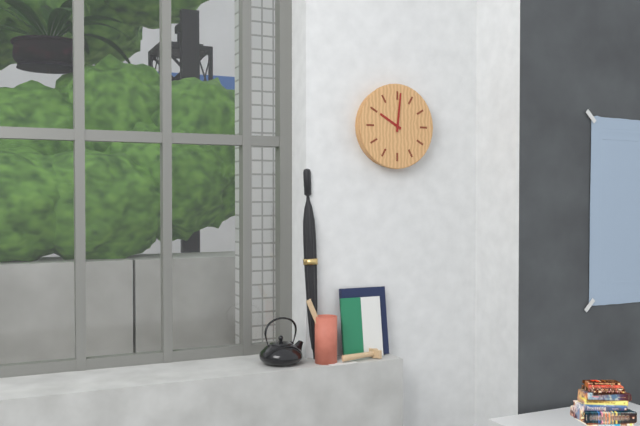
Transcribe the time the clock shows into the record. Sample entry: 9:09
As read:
10:01
